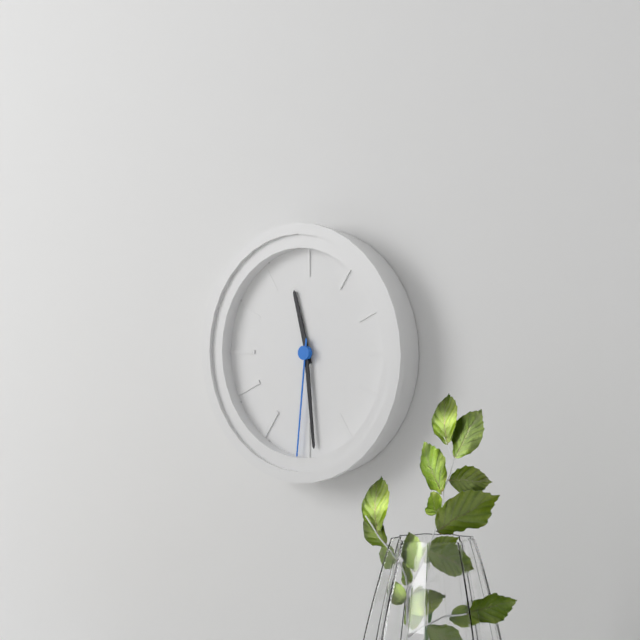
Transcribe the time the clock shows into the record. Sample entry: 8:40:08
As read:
11:29:31
